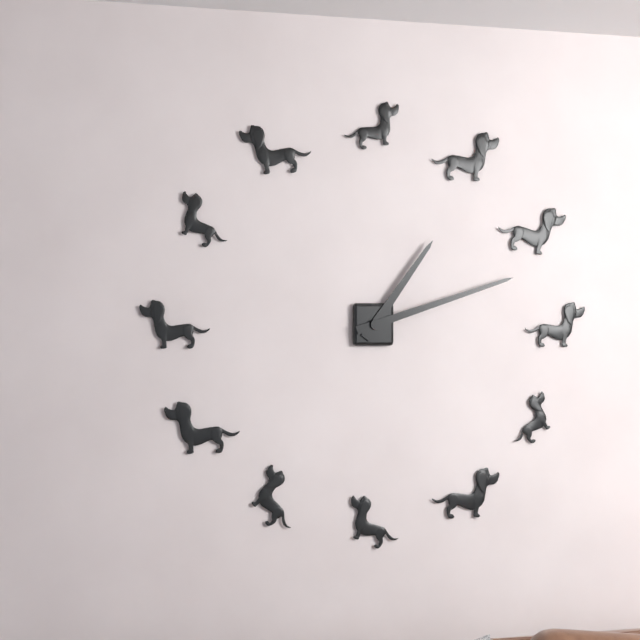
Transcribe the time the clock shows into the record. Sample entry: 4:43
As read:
1:12
